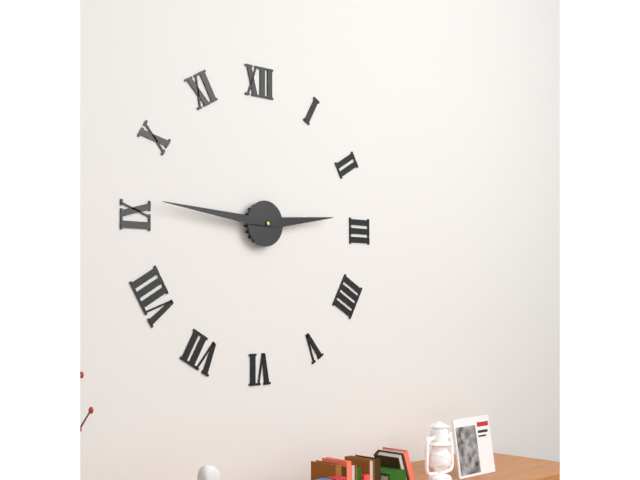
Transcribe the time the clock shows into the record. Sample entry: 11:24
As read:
2:46
